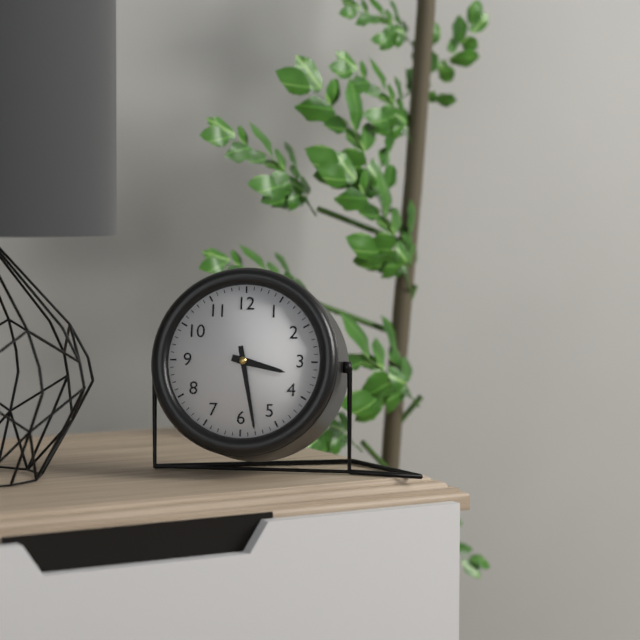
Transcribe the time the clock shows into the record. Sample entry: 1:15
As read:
3:28
